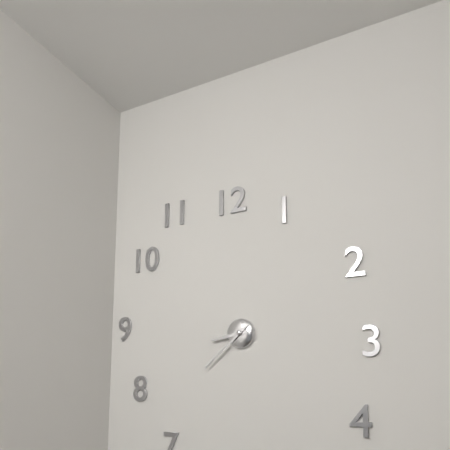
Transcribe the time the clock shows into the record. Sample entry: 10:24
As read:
8:38
